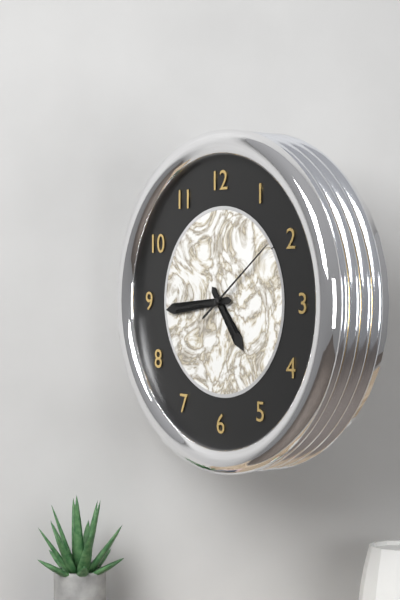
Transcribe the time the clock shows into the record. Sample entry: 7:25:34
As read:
4:44:09
